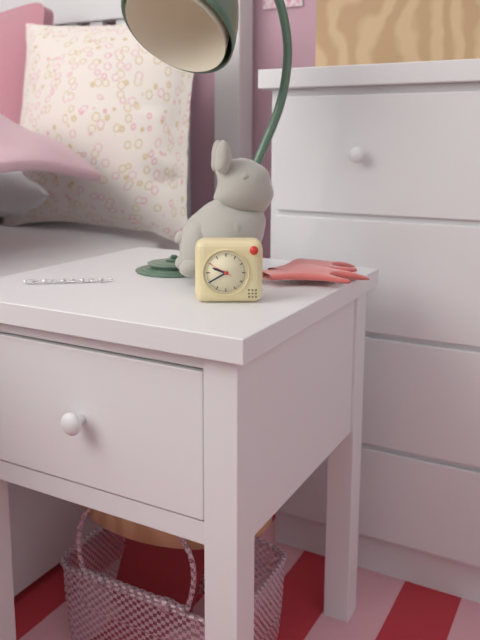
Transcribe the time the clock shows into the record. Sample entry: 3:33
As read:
9:40
